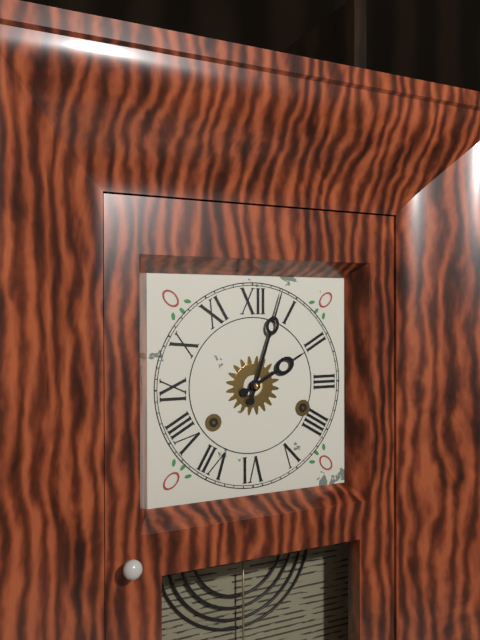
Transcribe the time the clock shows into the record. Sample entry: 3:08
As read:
2:03
